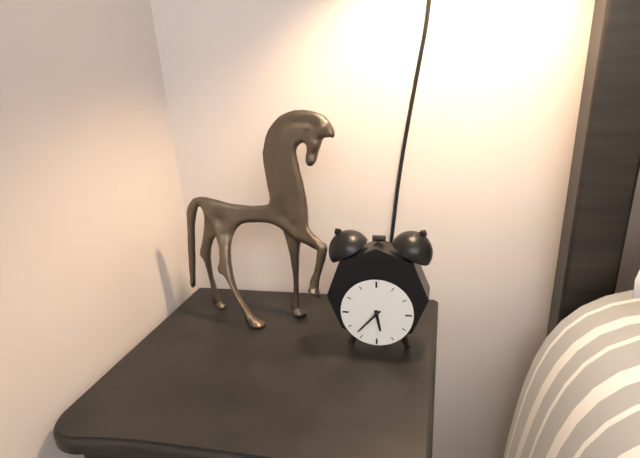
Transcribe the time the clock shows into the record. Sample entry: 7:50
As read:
5:37
